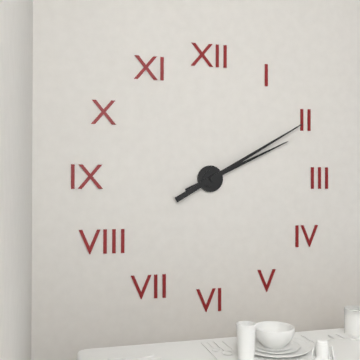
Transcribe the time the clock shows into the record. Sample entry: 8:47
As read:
2:10
